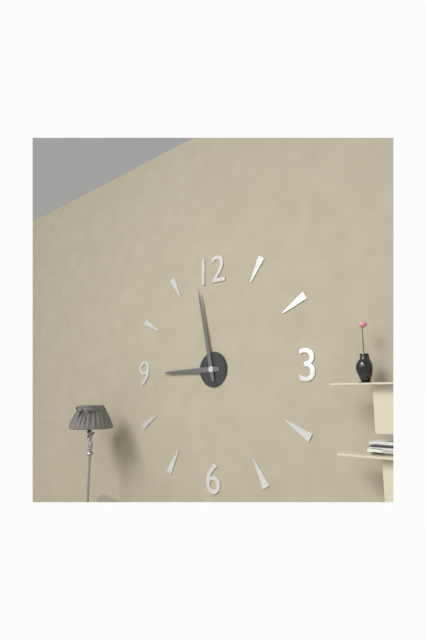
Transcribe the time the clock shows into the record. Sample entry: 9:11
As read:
8:58
